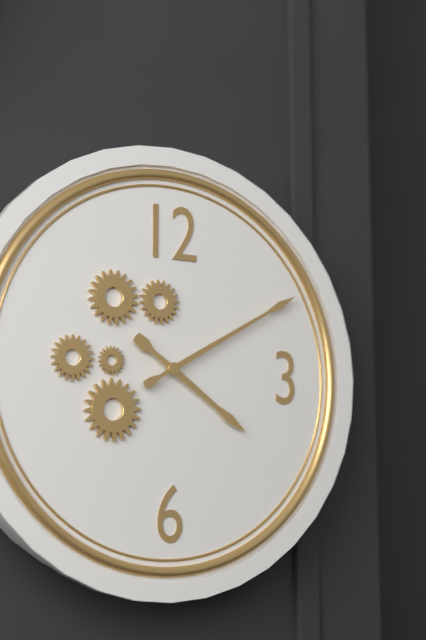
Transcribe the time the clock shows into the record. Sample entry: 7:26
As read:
4:10
